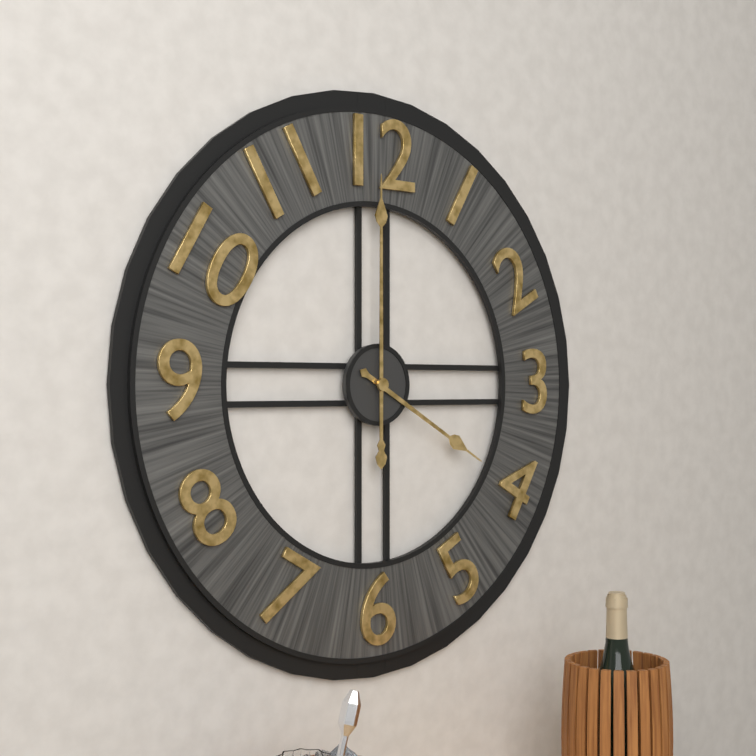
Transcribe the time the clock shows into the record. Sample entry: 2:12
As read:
4:00
